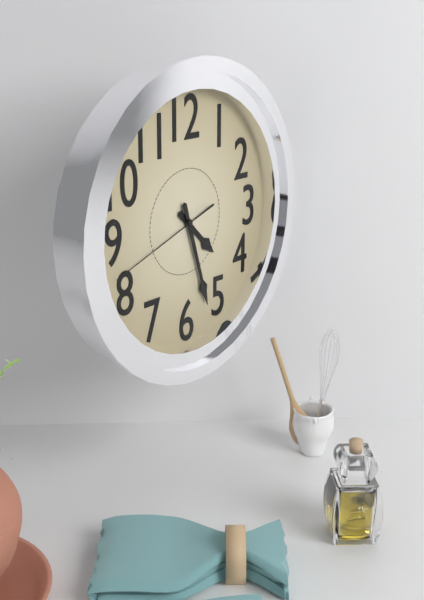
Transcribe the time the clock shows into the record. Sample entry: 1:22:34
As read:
4:27:42
